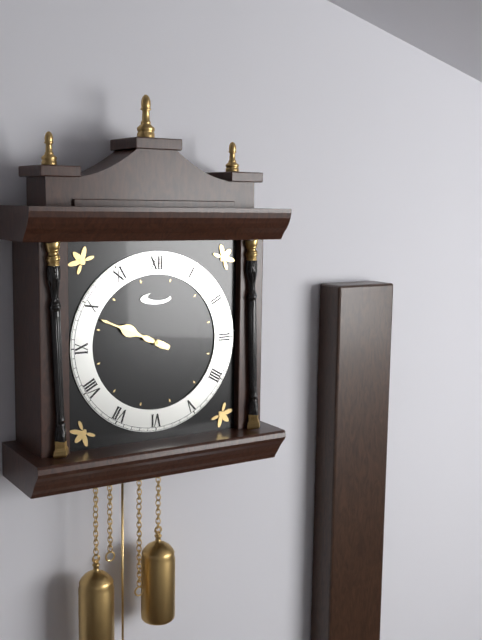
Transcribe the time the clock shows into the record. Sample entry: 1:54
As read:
9:49
